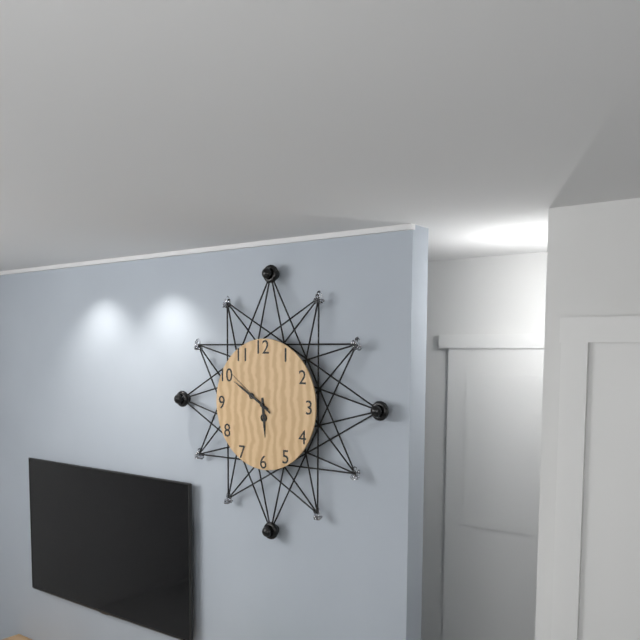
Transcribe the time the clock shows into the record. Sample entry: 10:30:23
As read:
5:50:51
